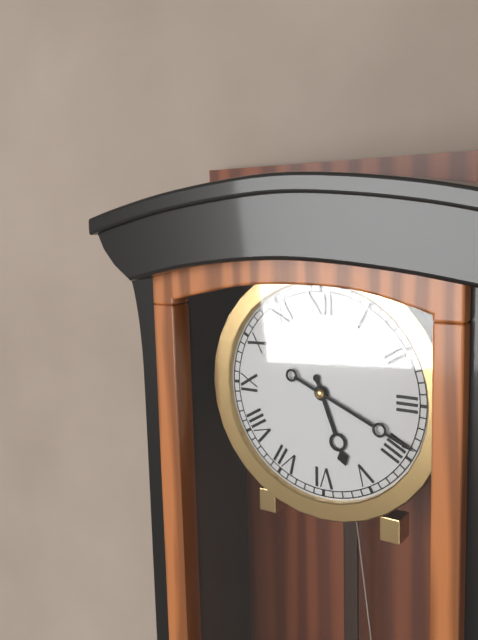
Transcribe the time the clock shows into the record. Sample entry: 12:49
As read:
5:19
